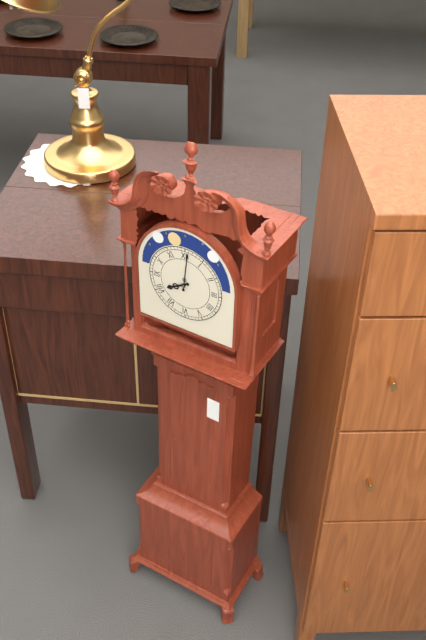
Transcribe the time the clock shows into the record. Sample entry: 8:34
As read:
8:01
